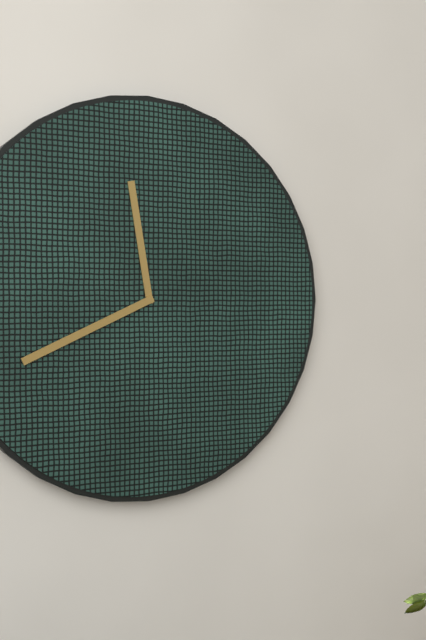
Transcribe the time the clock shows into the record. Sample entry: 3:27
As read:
11:41
